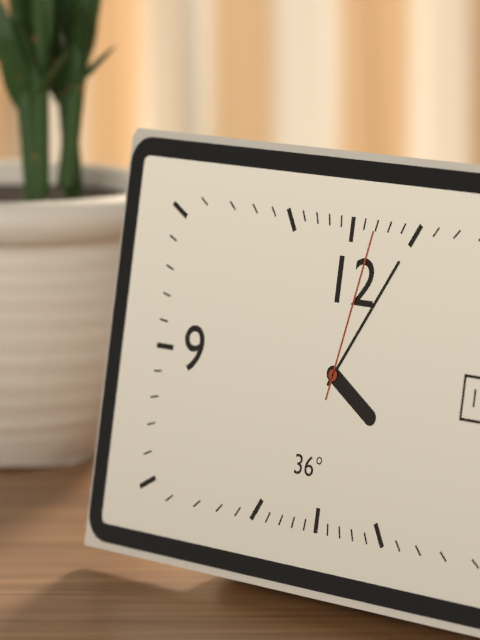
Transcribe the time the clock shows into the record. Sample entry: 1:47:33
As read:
4:05:02
